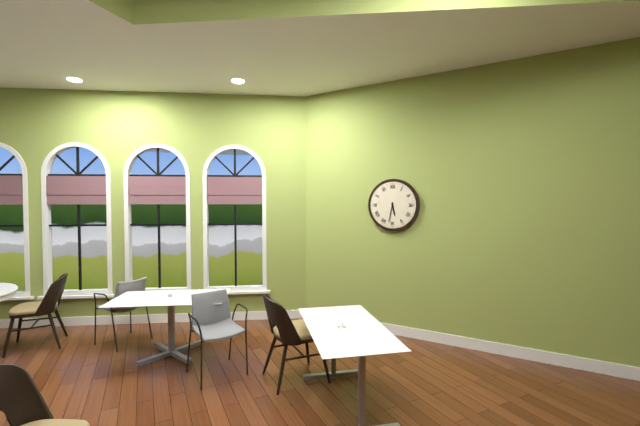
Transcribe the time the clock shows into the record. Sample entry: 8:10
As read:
5:32
